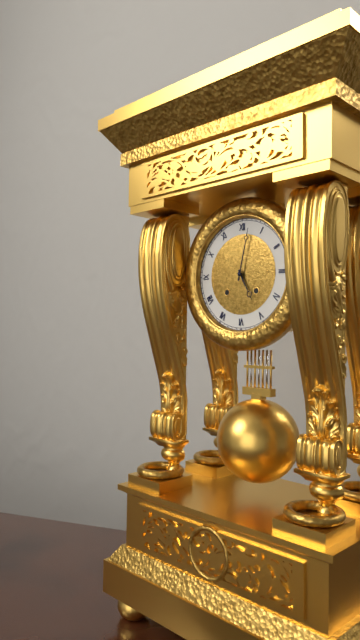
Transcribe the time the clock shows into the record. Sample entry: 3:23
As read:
5:02
